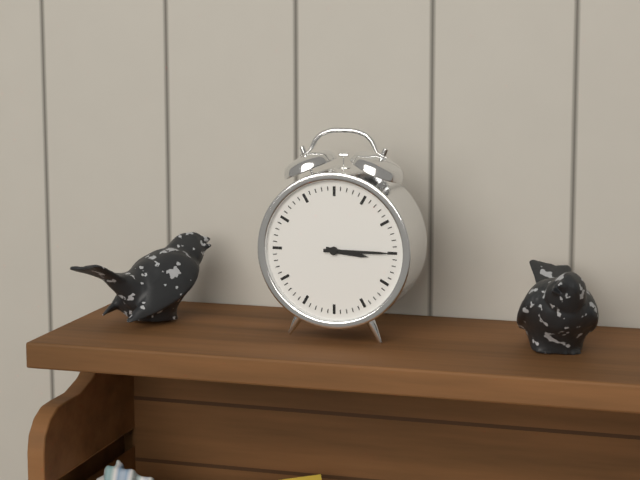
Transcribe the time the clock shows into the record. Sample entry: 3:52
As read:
3:15
